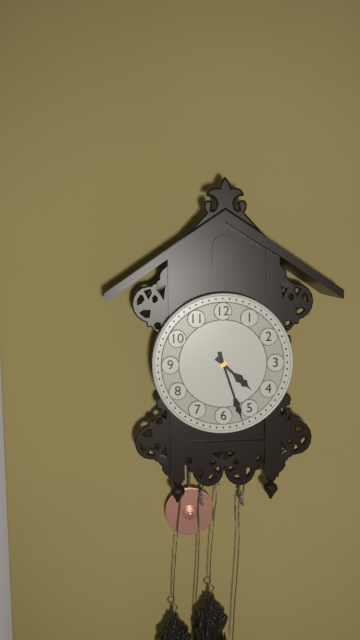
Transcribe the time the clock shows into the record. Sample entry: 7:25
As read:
4:27
